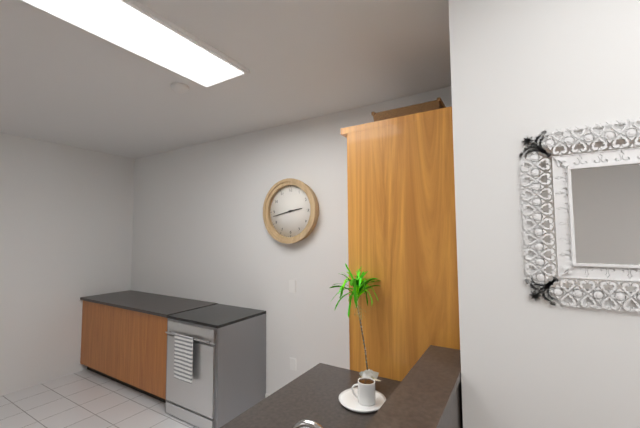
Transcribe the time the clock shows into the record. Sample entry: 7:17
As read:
2:43
